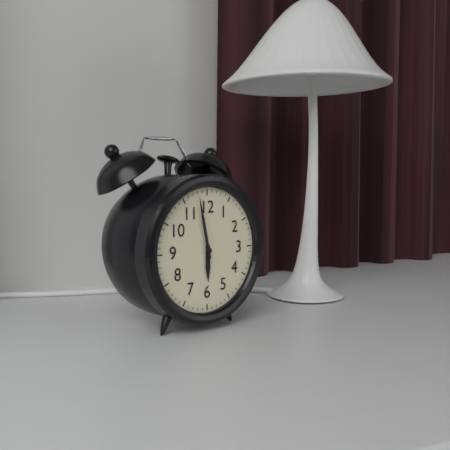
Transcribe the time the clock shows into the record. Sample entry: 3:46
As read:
5:58
